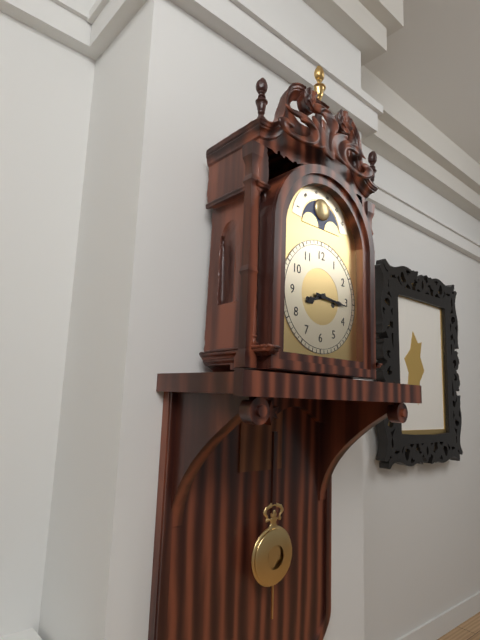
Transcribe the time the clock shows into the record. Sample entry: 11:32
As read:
8:16
